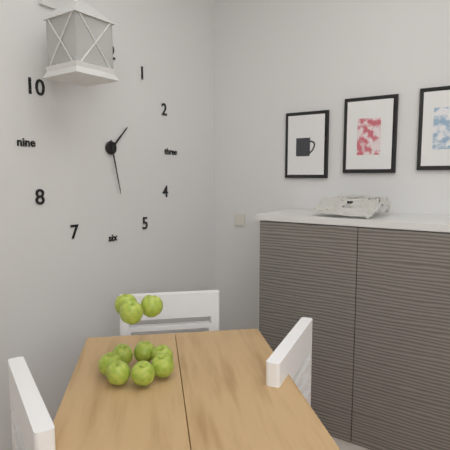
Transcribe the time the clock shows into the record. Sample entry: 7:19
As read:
1:28
